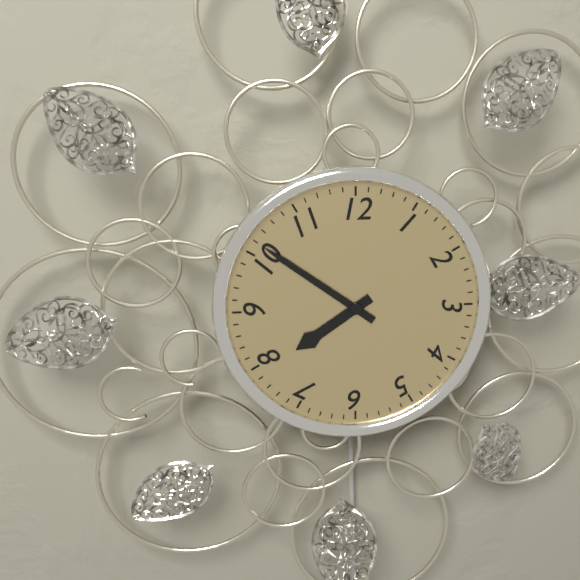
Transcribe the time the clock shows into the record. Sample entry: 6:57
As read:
7:51
